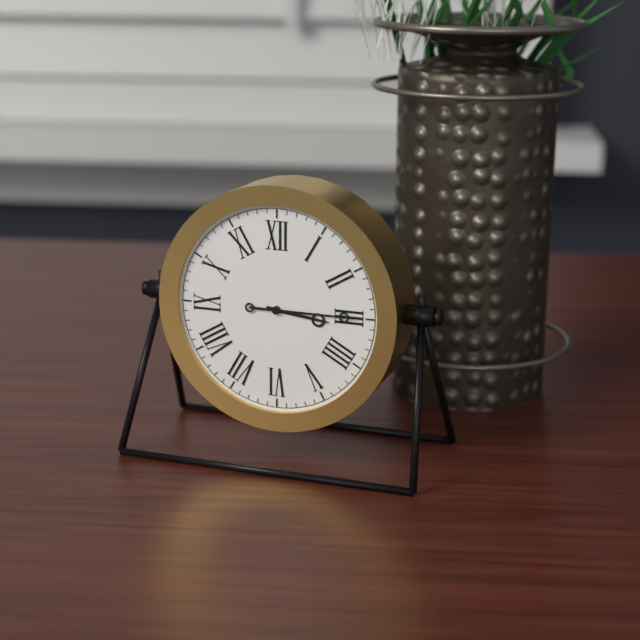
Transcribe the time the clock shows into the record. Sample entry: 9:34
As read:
3:15
